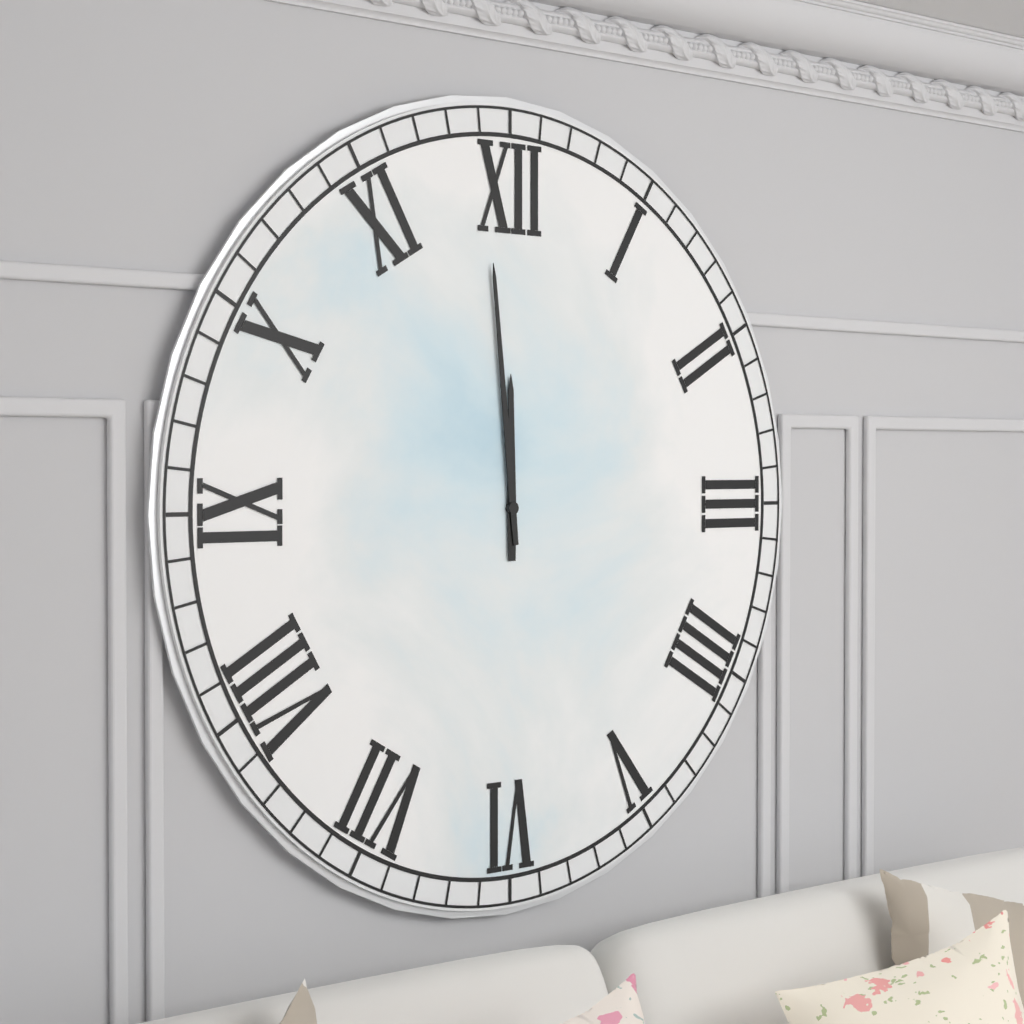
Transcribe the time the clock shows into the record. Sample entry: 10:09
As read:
11:59
